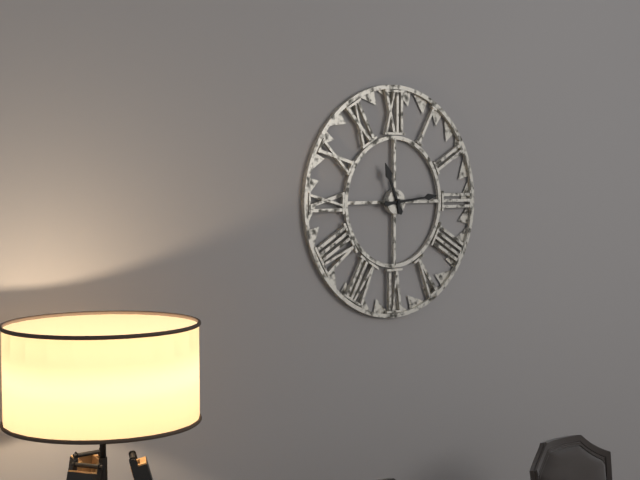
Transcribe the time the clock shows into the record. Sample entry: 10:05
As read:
11:14
